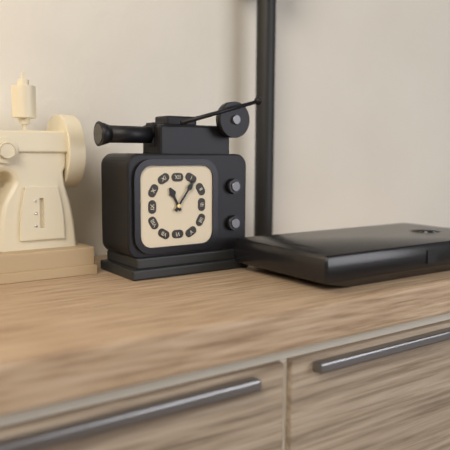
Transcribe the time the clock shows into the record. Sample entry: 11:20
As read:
11:06
